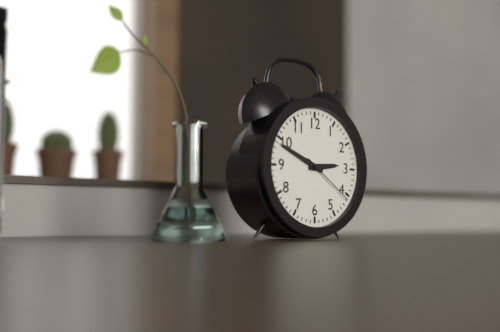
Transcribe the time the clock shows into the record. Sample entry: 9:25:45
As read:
2:49:21
